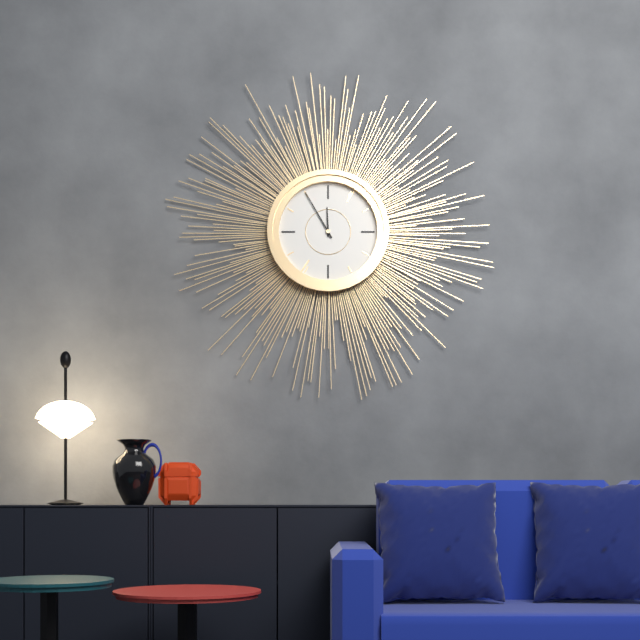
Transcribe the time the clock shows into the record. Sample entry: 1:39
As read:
11:55
